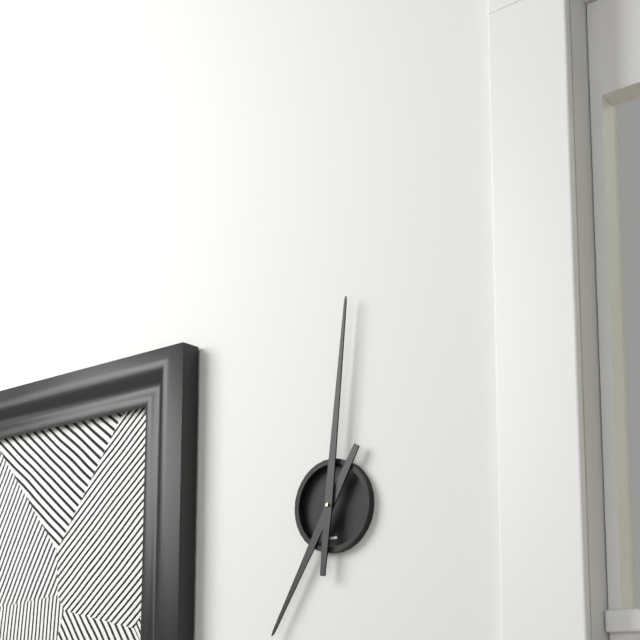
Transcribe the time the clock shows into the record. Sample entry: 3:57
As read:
7:01
